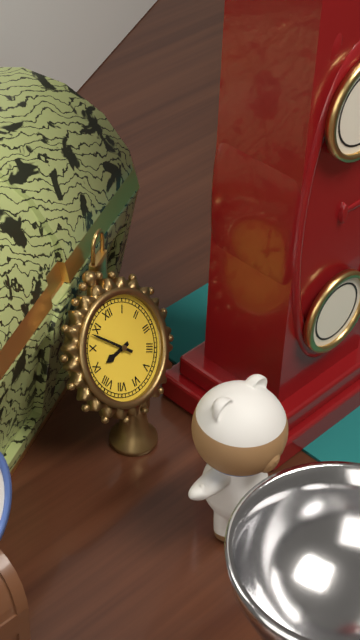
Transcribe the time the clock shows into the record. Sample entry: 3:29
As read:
8:53
